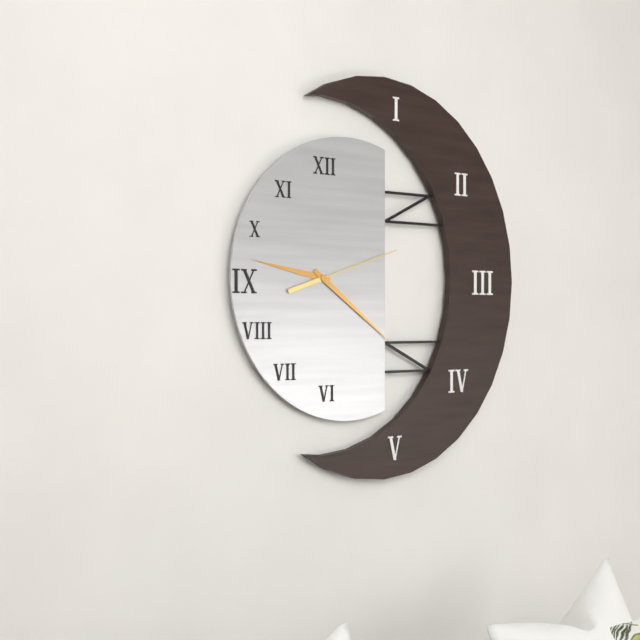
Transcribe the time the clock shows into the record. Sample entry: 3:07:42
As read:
9:21:12
